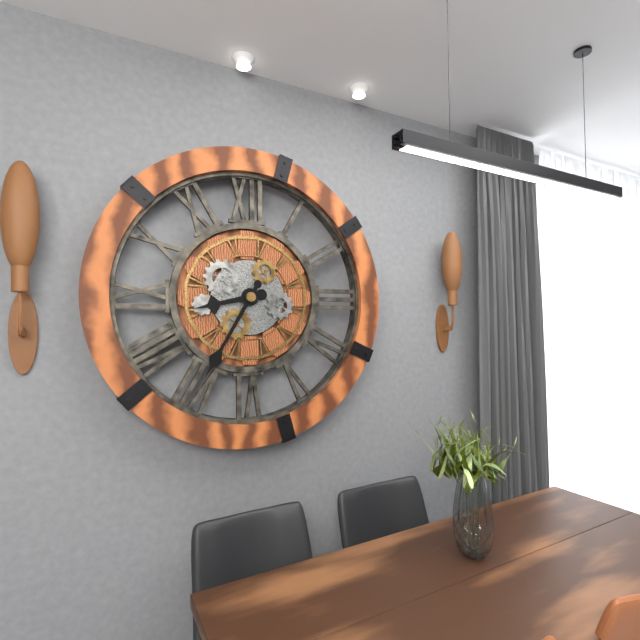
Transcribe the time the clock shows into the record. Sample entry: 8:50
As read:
8:35
